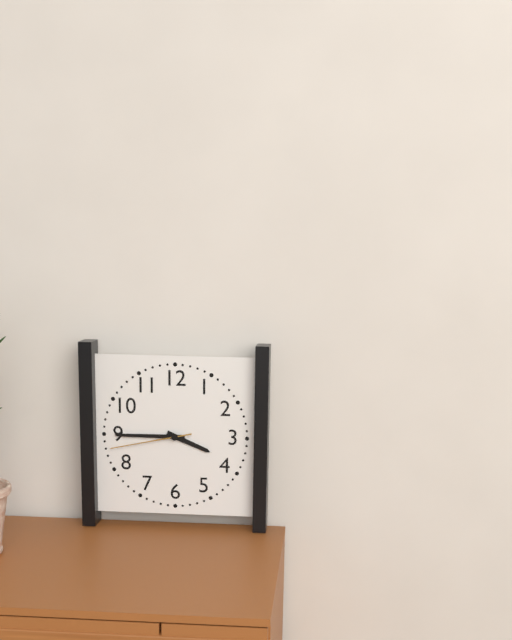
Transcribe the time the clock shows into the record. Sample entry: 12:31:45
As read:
3:45:43
